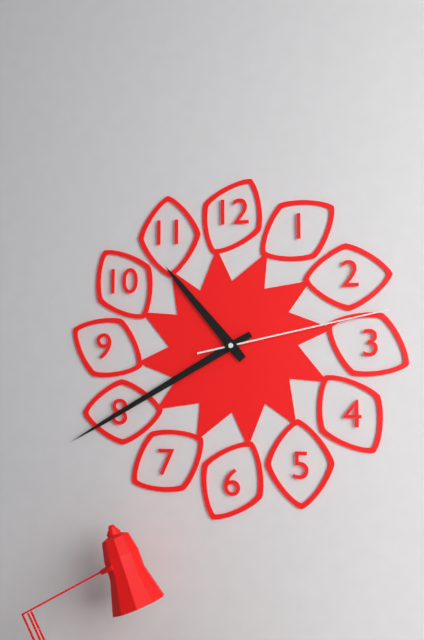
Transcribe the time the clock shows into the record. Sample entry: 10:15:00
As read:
10:40:13
